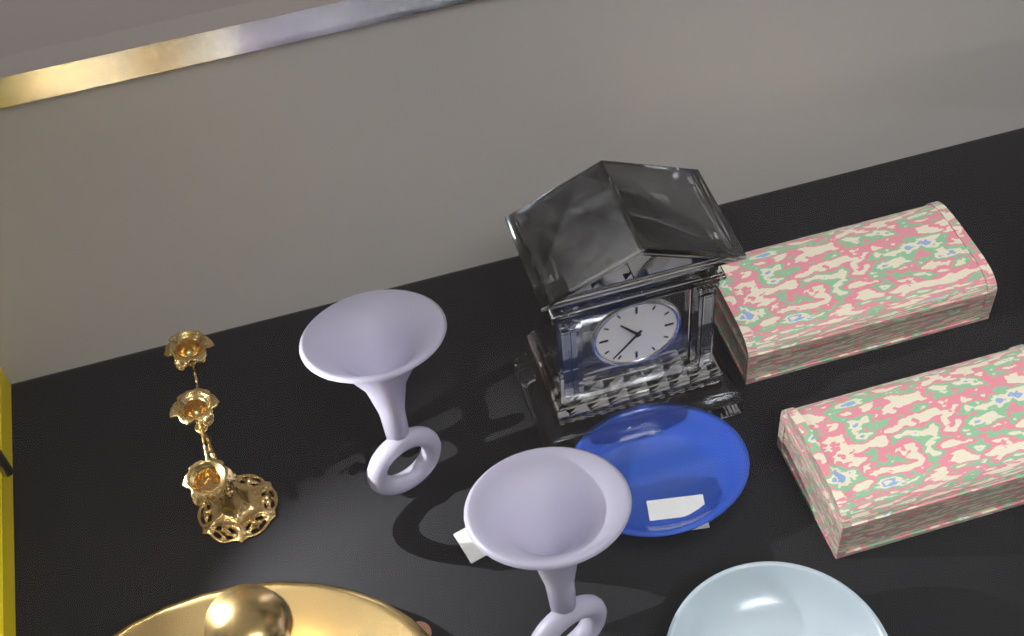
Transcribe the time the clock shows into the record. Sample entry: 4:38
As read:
10:37
